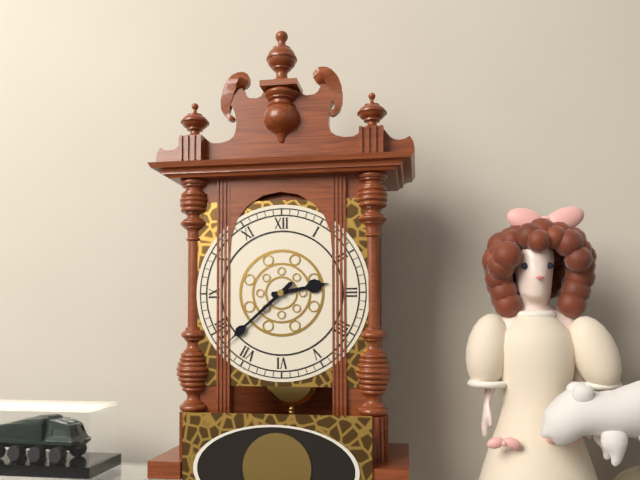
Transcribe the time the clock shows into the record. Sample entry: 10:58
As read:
2:38
